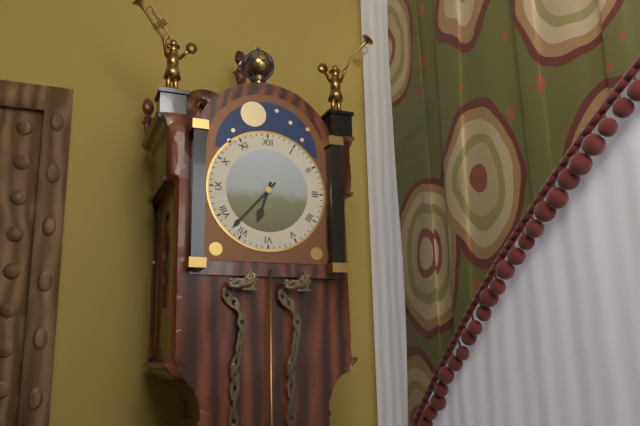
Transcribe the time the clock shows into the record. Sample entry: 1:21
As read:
6:37
